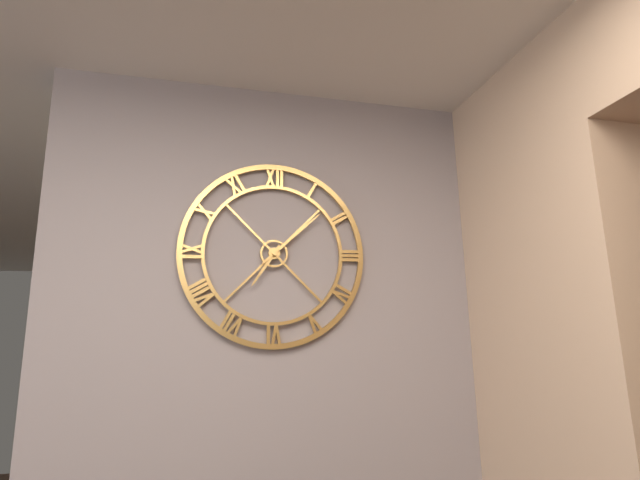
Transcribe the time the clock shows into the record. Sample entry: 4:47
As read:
7:08
